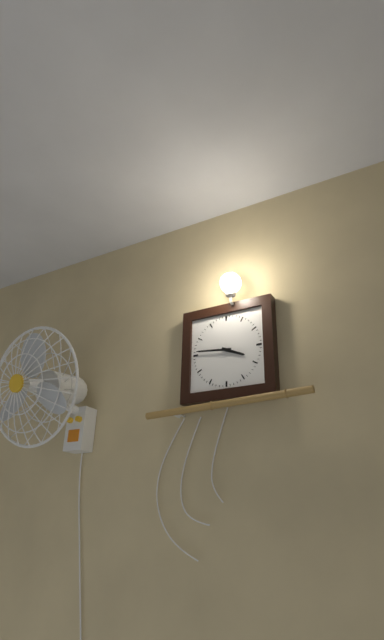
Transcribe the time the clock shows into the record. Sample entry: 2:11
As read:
3:46
